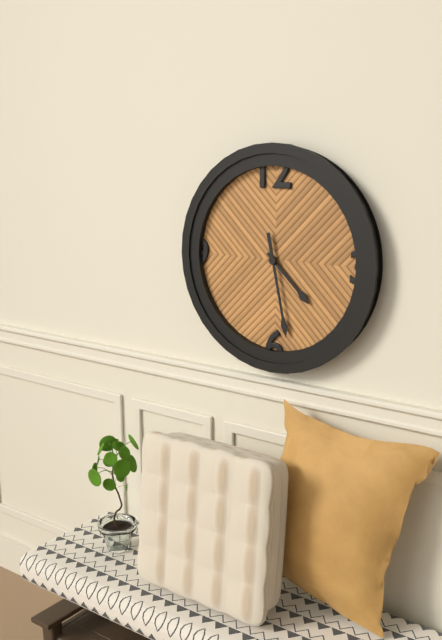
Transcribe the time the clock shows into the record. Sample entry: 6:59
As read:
4:28
